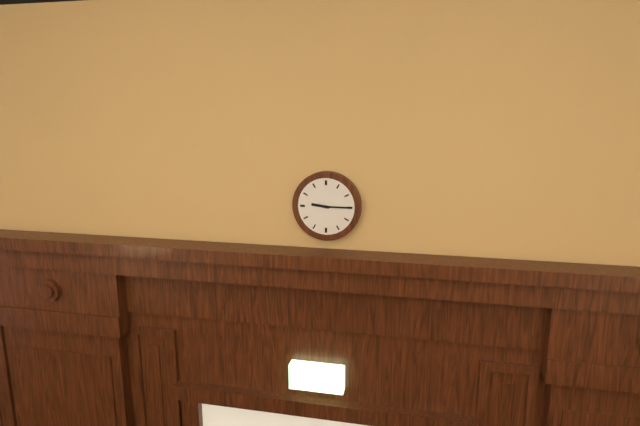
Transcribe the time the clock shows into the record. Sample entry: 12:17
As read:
9:15
